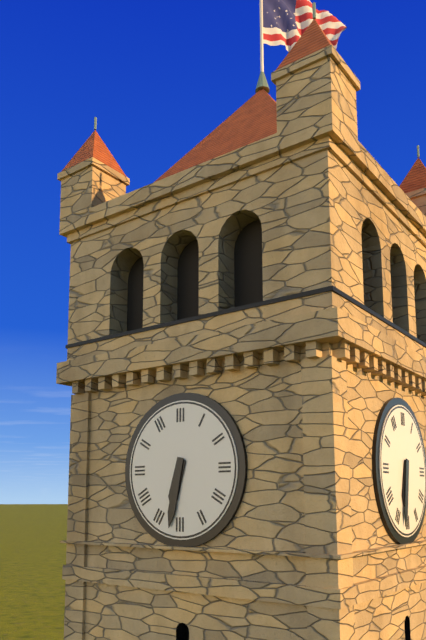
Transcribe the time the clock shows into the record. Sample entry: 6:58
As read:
6:32
